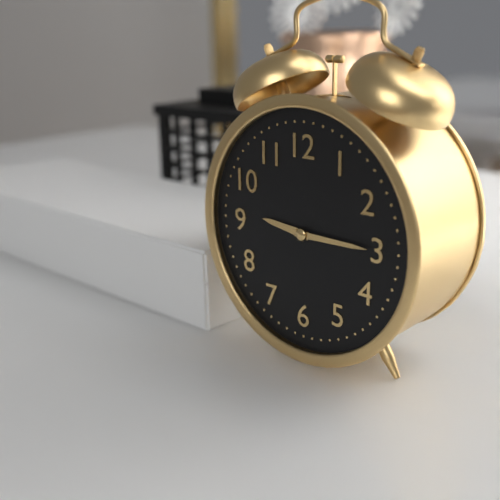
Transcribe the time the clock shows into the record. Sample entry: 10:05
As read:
9:15
